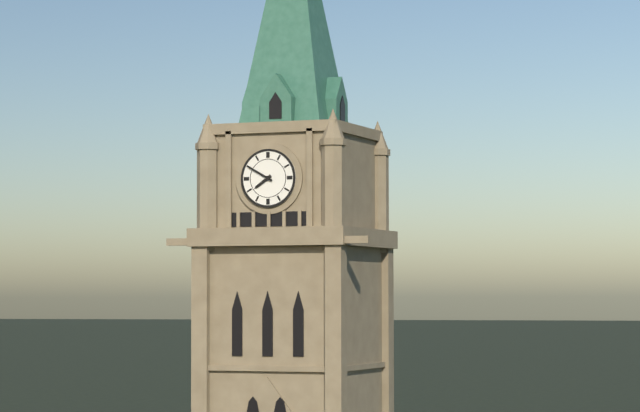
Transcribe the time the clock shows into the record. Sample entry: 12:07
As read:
7:50
